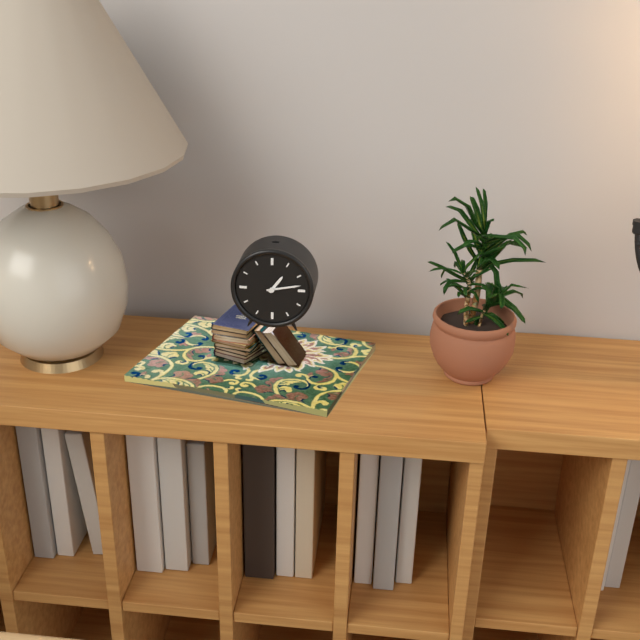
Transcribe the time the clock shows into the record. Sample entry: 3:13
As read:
1:13
